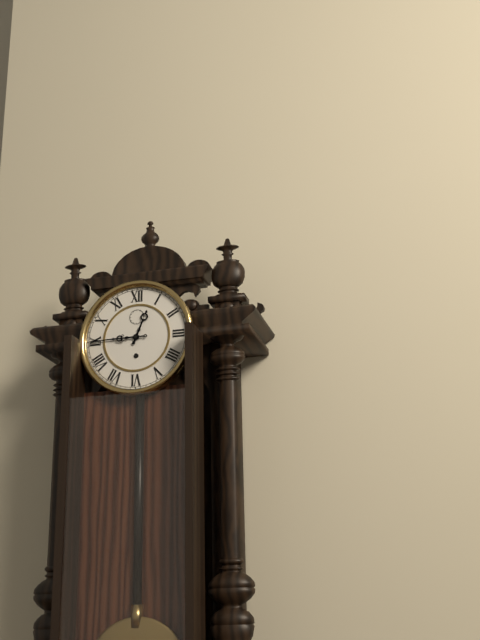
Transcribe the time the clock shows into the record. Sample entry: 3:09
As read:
12:45
